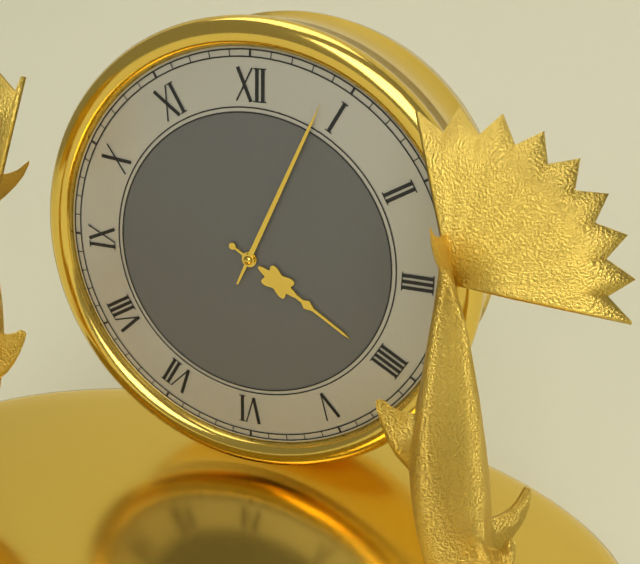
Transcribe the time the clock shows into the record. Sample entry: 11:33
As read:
4:04
